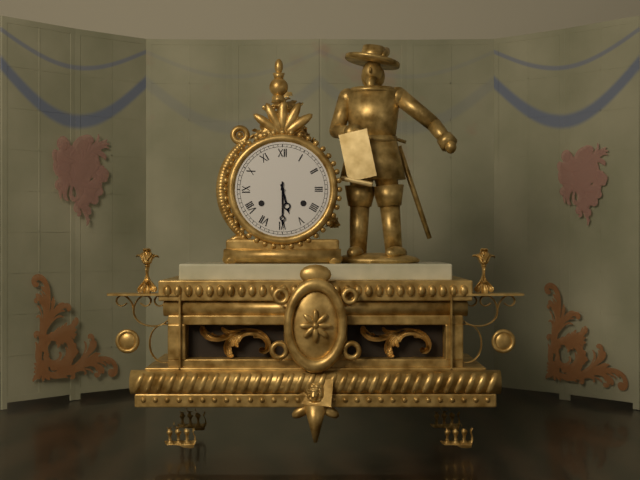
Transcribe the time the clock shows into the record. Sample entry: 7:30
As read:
5:30
